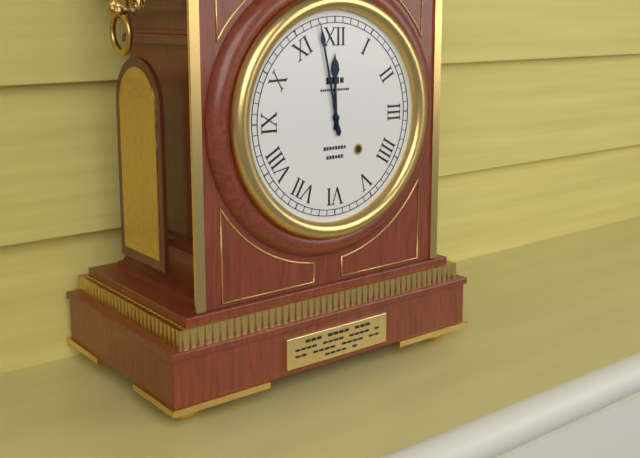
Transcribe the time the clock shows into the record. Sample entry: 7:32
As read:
11:58
